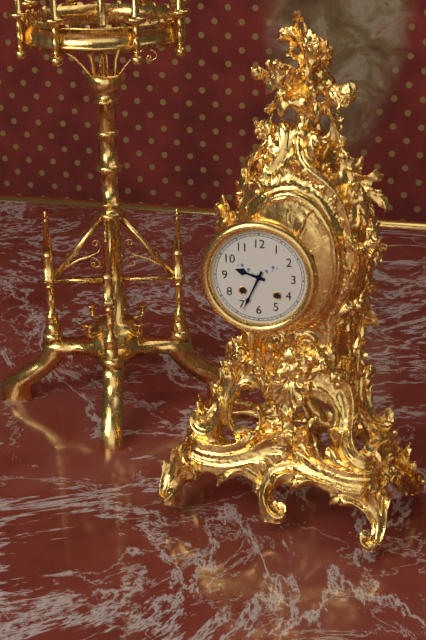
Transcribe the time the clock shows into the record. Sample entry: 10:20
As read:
9:34
